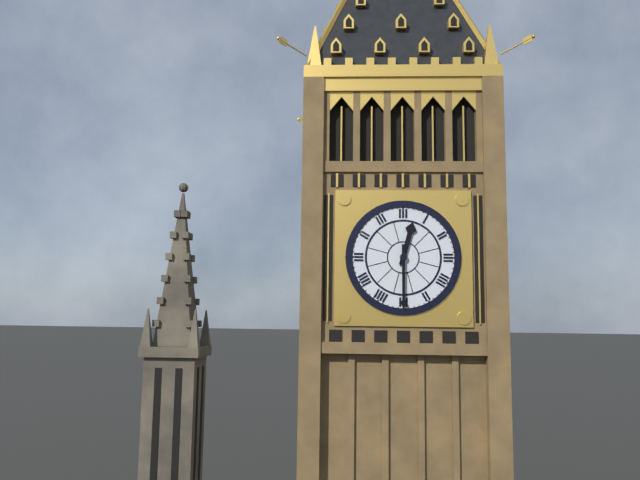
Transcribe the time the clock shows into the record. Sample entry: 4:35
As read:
12:30
